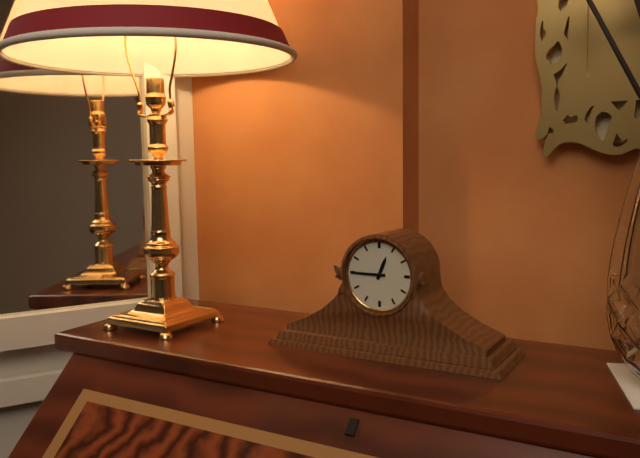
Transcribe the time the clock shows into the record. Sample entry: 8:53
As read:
12:45
